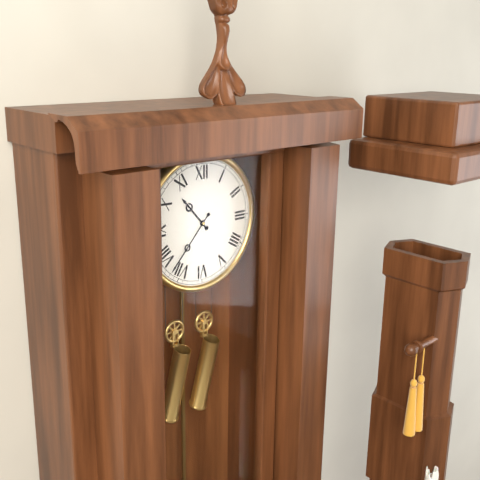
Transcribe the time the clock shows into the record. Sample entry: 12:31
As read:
10:37
